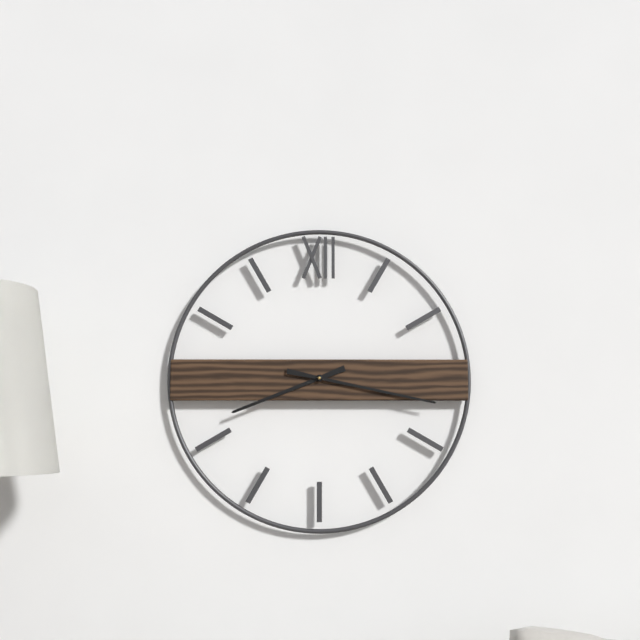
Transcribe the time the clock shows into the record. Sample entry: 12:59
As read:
8:17
